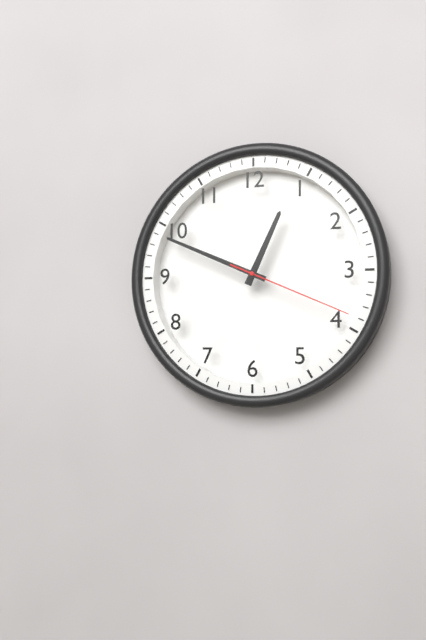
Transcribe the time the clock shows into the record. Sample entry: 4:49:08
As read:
12:49:19
